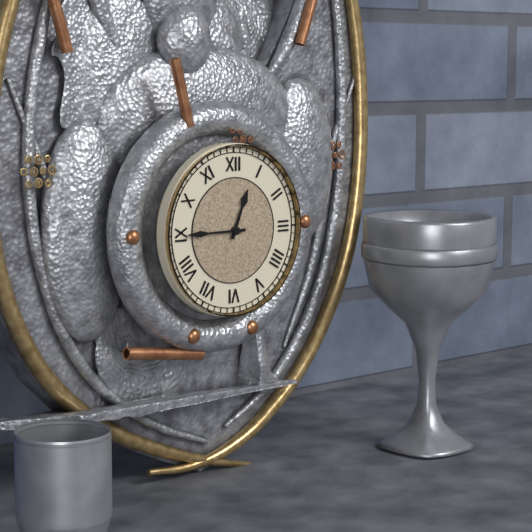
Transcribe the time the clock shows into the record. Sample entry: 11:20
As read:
12:45
